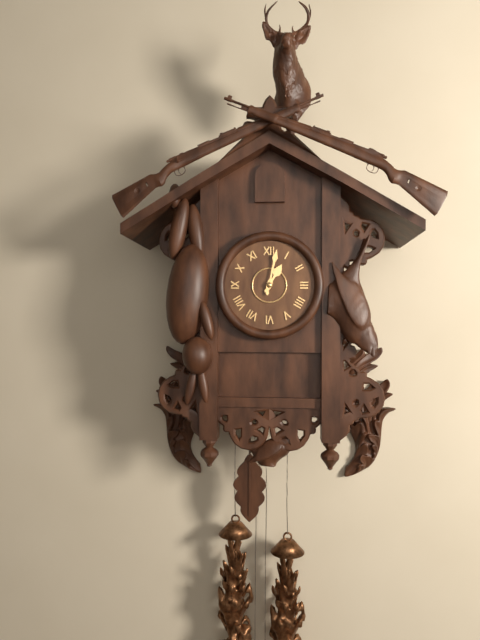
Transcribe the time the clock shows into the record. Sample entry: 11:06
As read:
1:02
